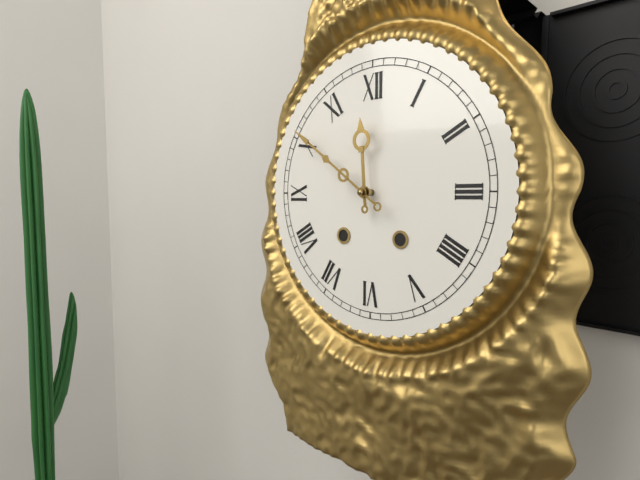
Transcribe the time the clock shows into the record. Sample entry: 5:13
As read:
11:51
